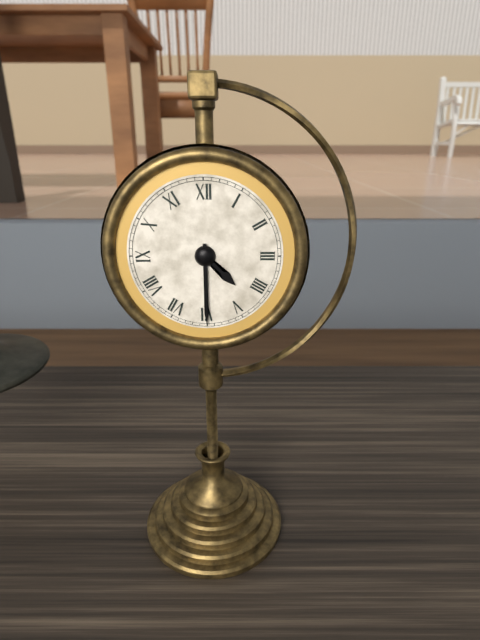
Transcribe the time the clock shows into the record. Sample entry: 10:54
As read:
4:30
